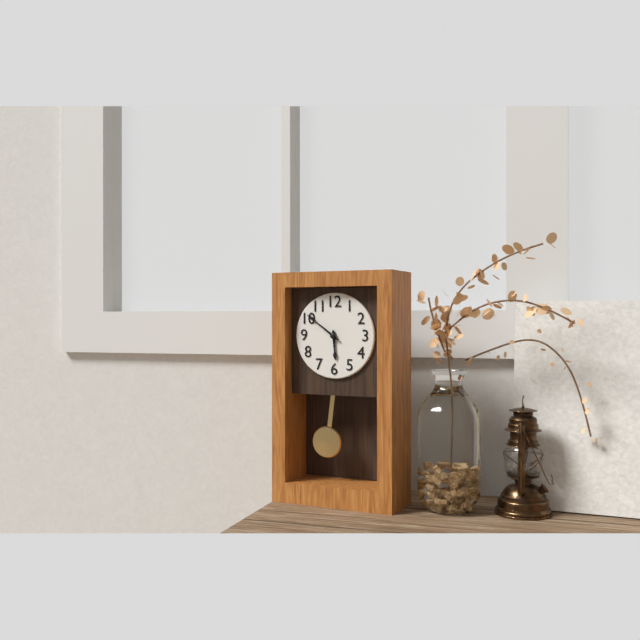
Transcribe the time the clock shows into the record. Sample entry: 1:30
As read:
5:51
